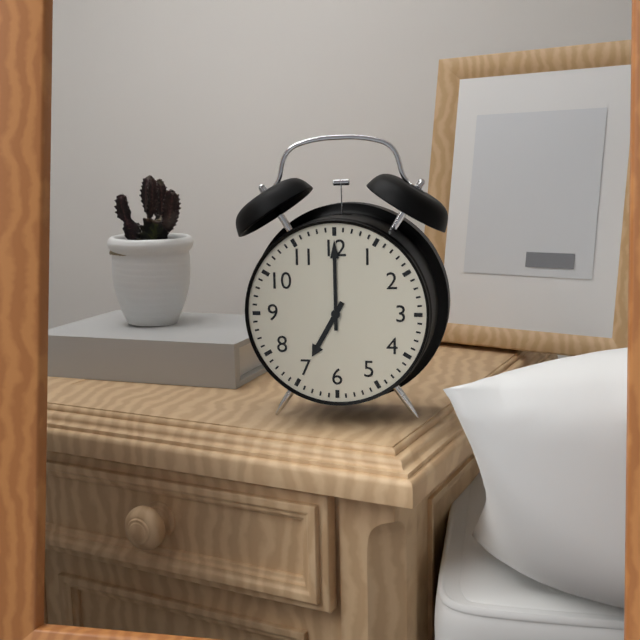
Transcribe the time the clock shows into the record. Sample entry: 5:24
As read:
7:00
